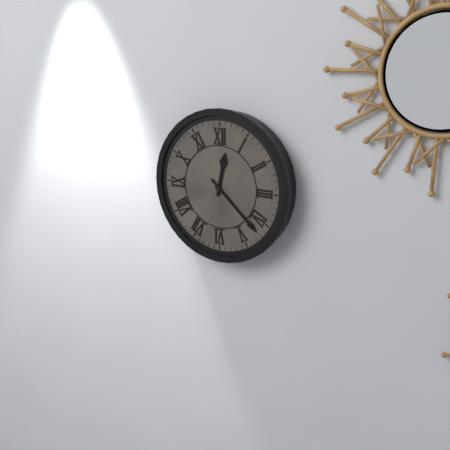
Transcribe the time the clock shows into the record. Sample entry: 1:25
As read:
12:22
